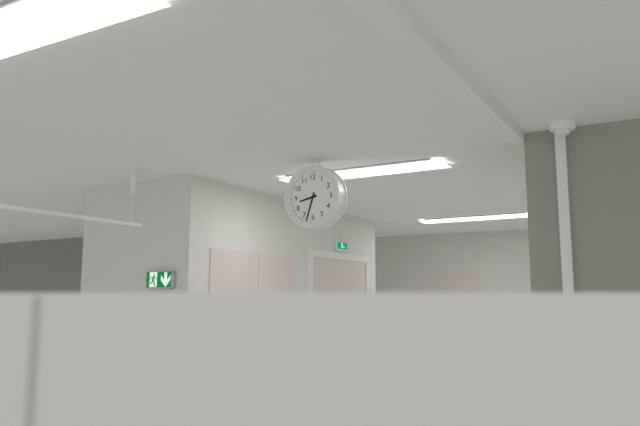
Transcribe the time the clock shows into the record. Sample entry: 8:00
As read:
8:33
